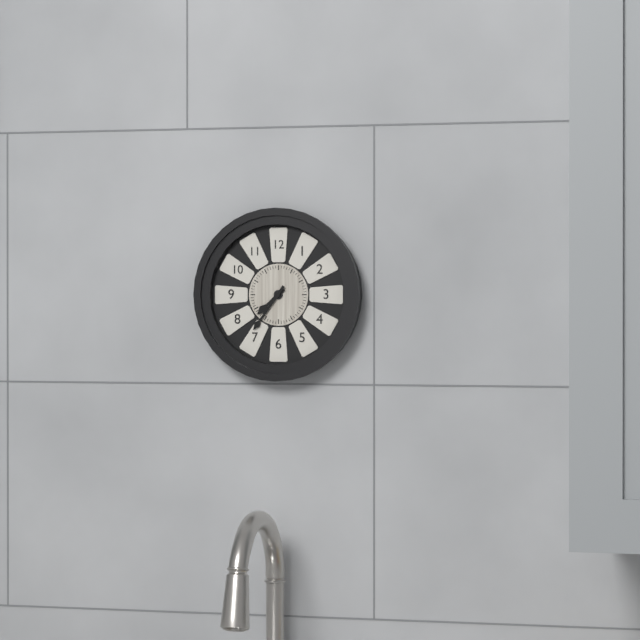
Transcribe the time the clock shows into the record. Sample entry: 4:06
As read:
7:36
